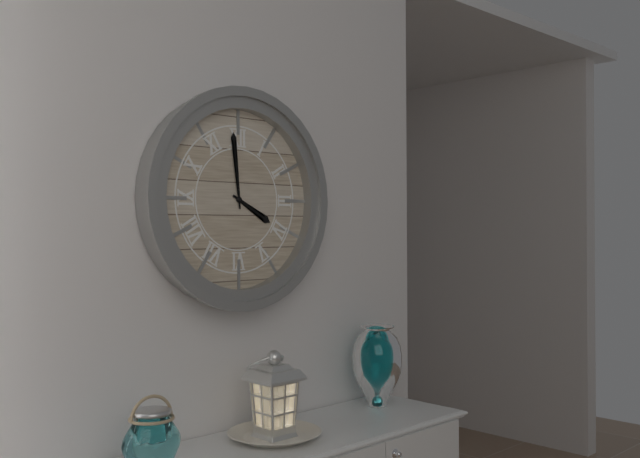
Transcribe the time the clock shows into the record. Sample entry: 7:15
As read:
3:59
